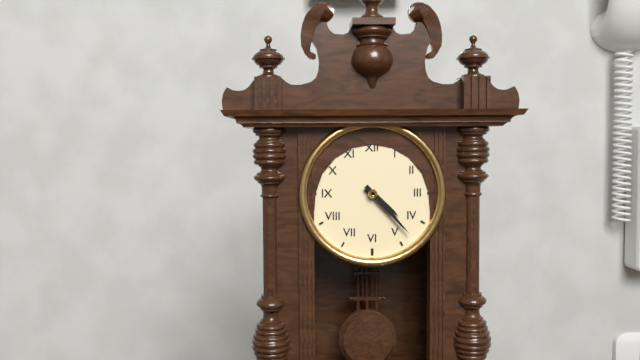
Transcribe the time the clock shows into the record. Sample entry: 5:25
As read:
4:23
